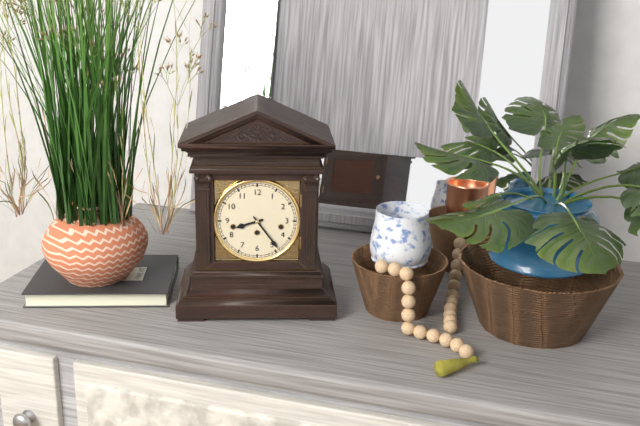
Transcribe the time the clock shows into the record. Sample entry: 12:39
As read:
8:24
